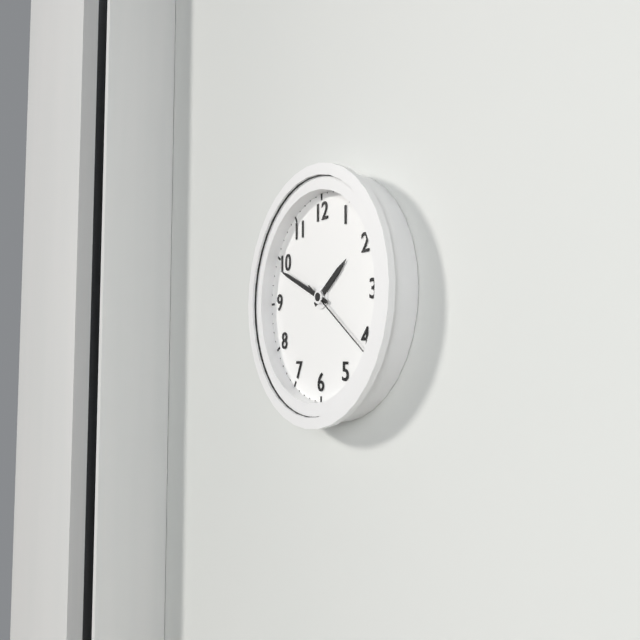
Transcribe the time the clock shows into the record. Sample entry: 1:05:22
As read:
1:49:21
